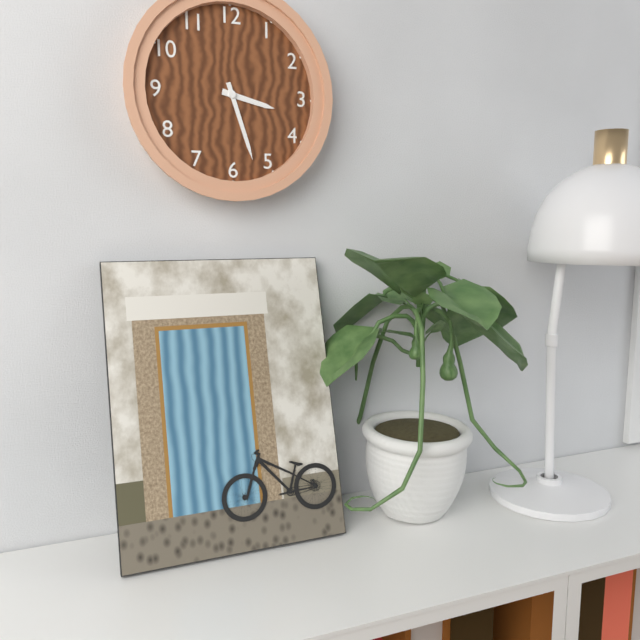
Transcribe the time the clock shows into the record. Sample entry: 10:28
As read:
3:27
